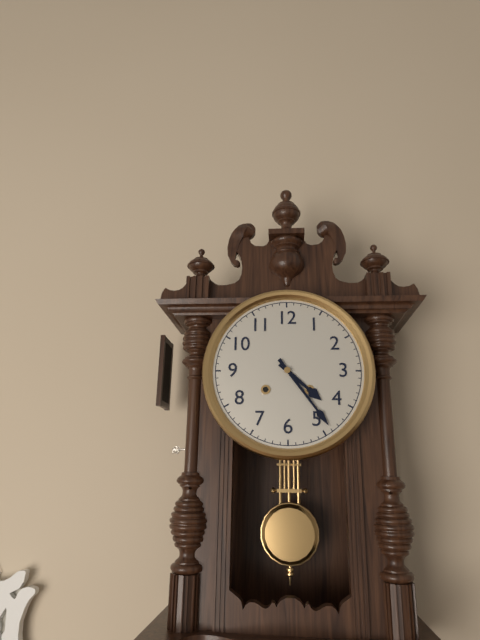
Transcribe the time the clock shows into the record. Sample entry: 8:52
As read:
4:24
